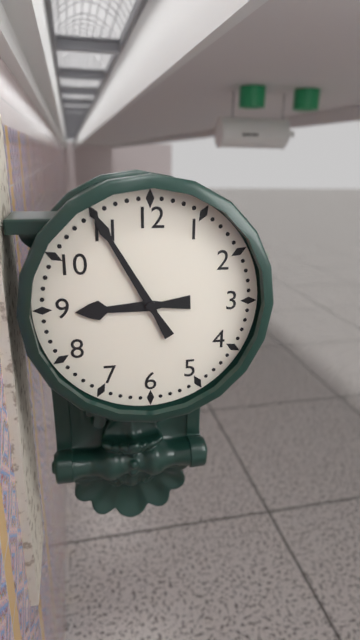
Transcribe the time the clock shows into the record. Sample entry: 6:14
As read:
8:55
